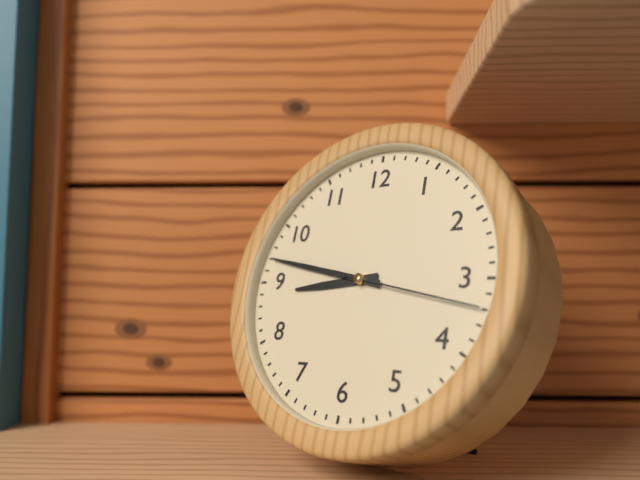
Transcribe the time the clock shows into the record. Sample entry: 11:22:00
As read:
8:47:17
